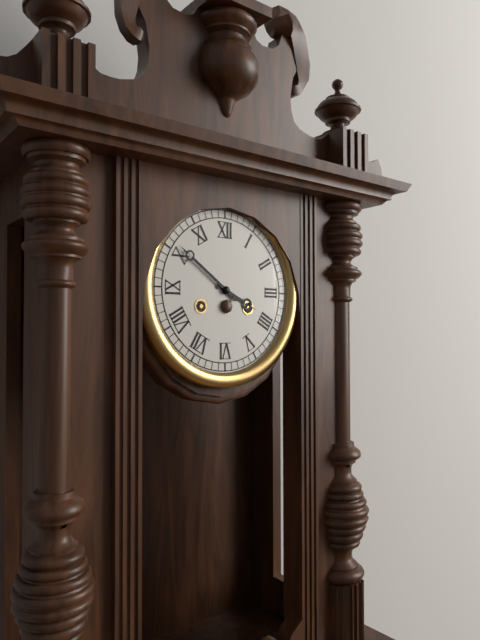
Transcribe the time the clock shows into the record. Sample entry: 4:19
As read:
3:51
